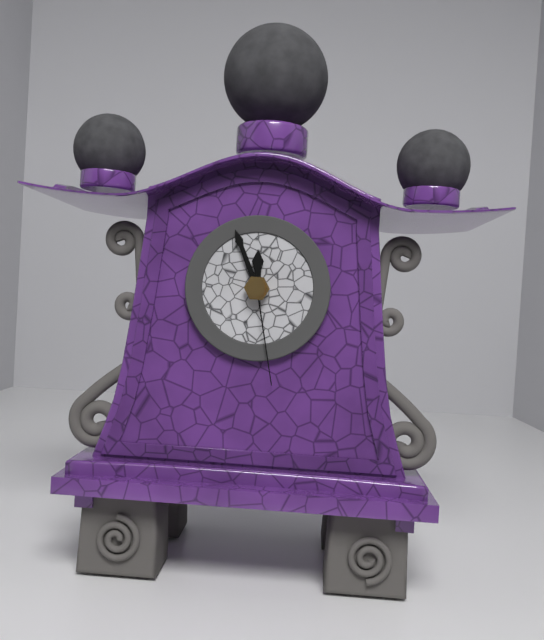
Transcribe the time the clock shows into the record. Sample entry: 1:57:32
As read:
11:56:28
